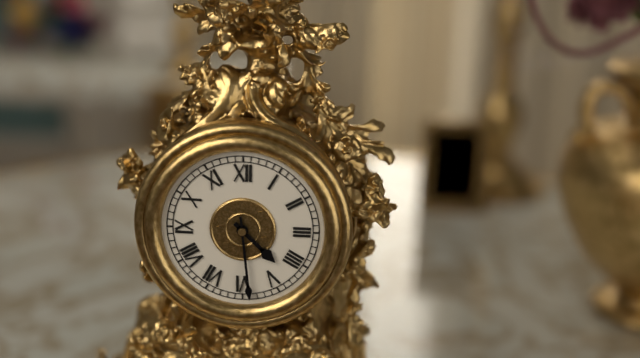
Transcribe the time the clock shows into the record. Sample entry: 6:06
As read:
4:29
